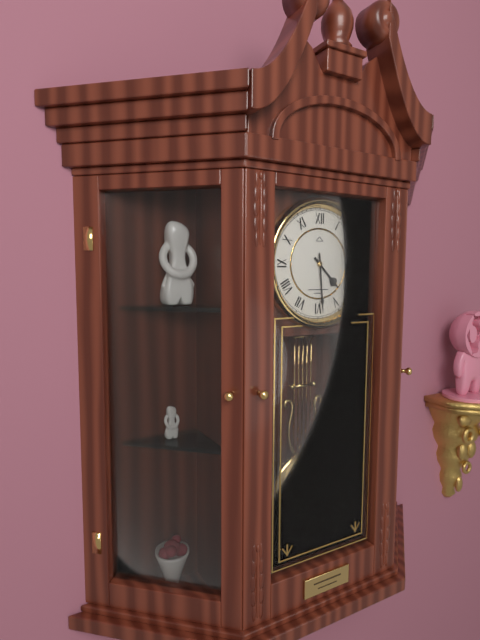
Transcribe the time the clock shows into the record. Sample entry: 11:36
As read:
4:29
